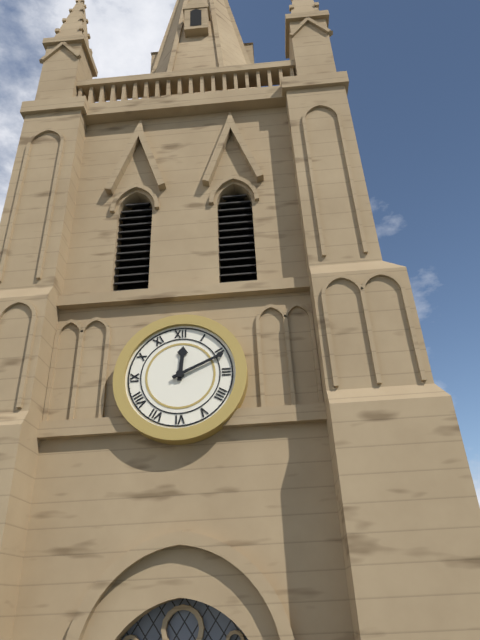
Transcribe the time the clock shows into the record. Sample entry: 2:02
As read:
12:11
